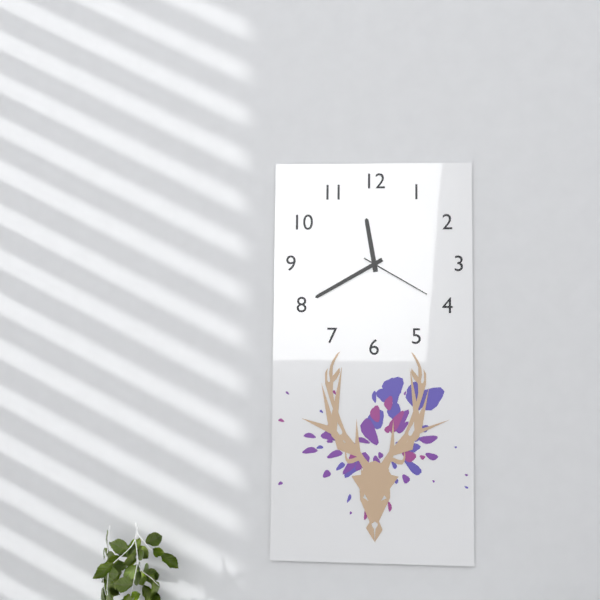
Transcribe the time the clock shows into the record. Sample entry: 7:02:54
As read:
11:40:20
